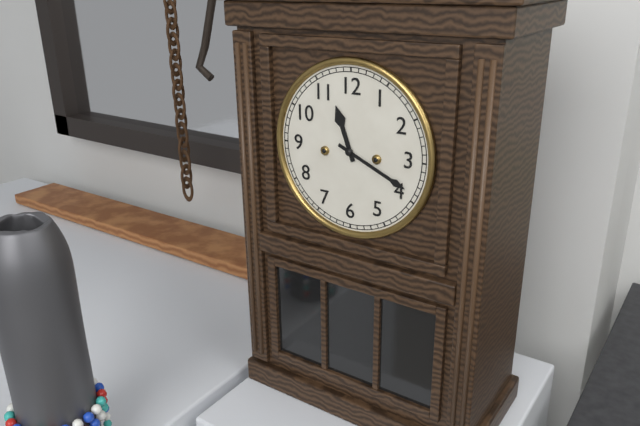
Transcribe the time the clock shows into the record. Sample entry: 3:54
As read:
11:19
